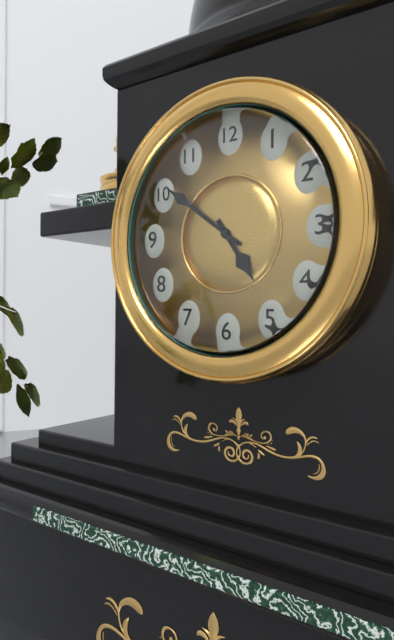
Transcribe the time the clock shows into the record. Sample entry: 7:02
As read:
4:51
